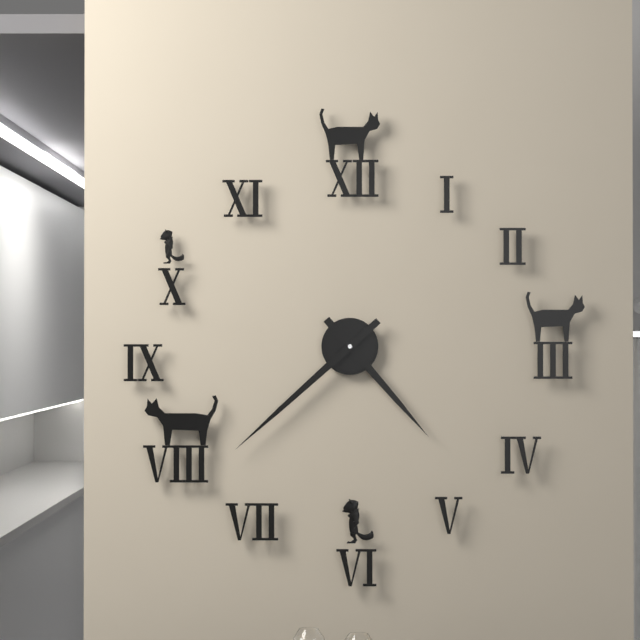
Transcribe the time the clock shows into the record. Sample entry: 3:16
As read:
4:38
